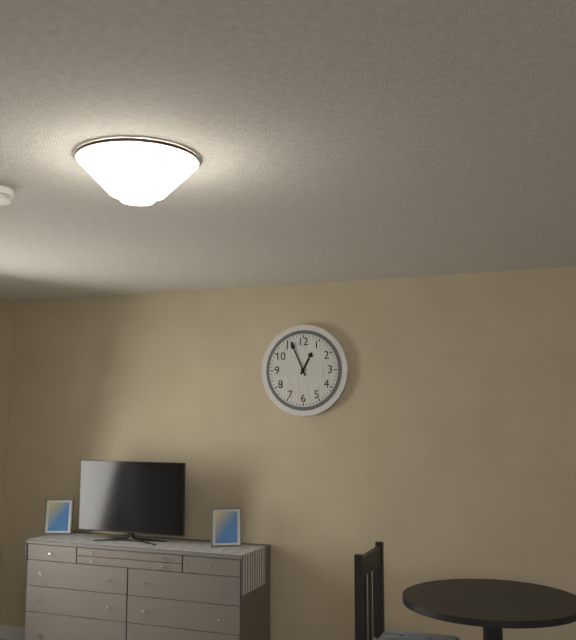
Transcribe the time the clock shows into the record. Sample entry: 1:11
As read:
12:56
